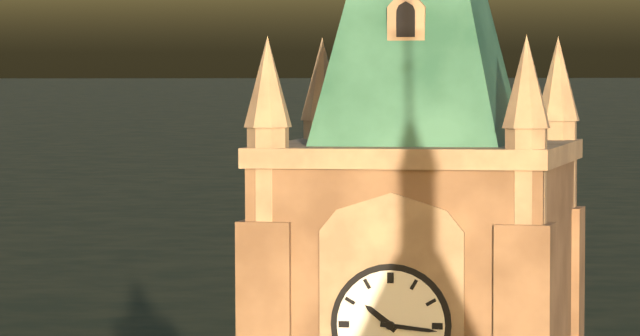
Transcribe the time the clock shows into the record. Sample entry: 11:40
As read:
10:16
